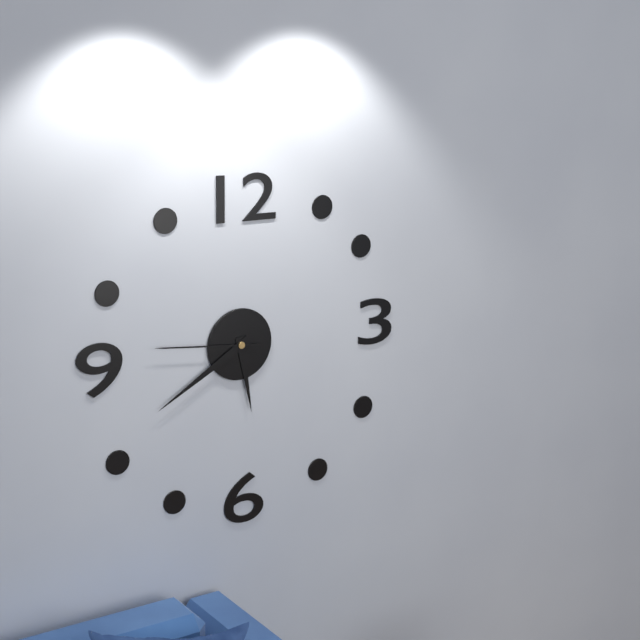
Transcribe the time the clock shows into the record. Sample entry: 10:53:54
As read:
5:40:46
